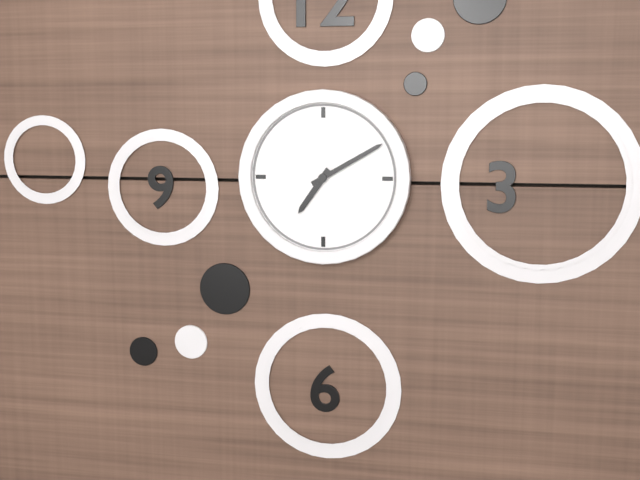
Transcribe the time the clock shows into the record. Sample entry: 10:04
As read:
7:10
